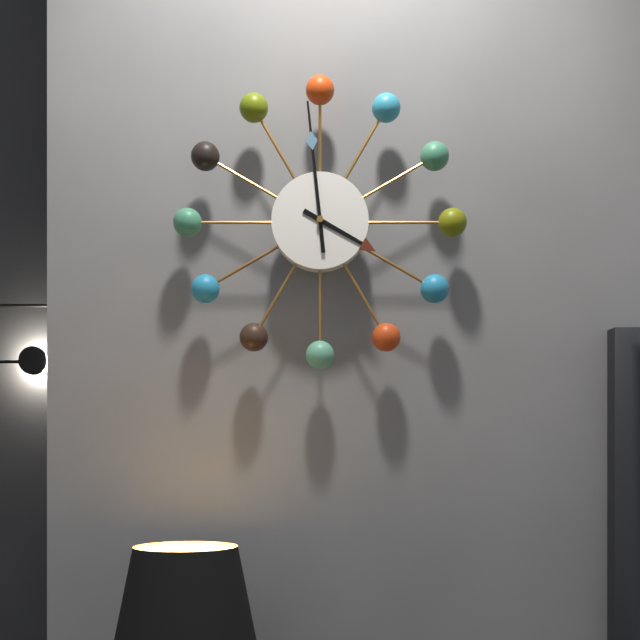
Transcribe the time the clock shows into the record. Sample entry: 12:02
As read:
3:59
